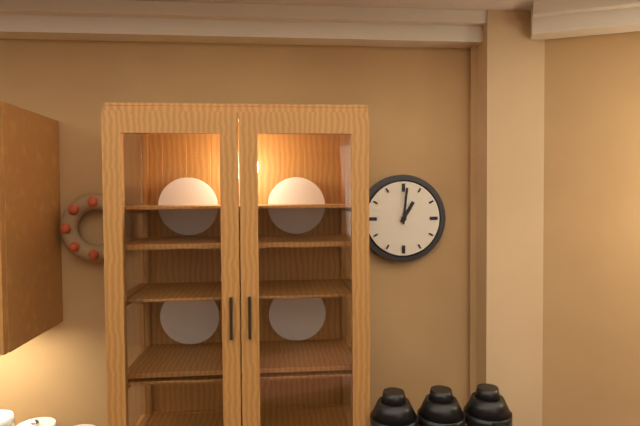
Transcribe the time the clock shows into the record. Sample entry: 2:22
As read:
1:01
